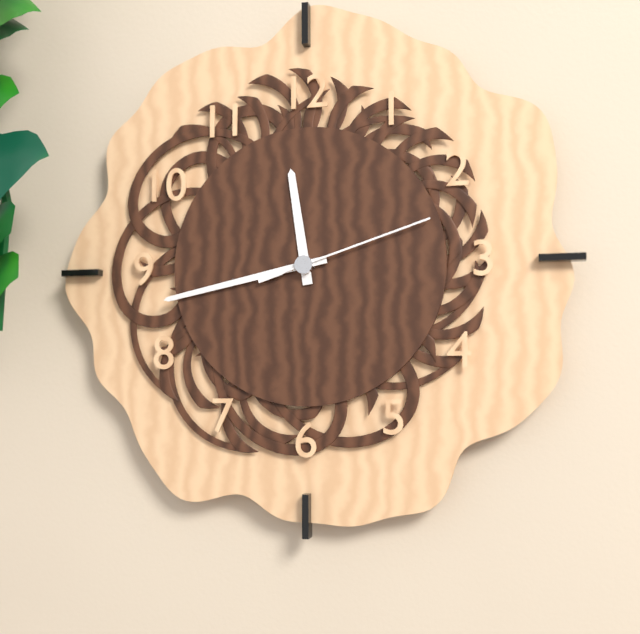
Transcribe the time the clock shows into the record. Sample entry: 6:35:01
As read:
11:43:12
